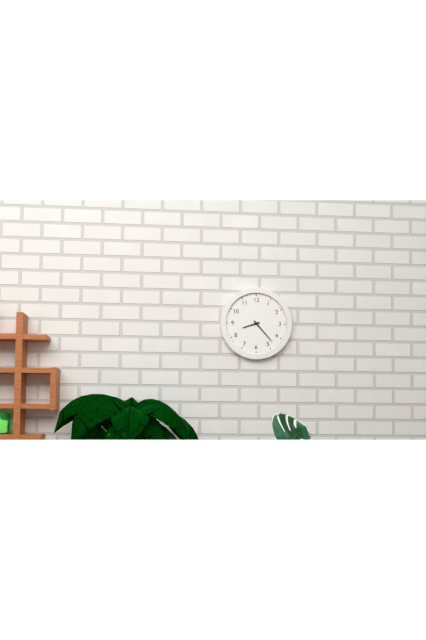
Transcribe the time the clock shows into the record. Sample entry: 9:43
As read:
8:23
